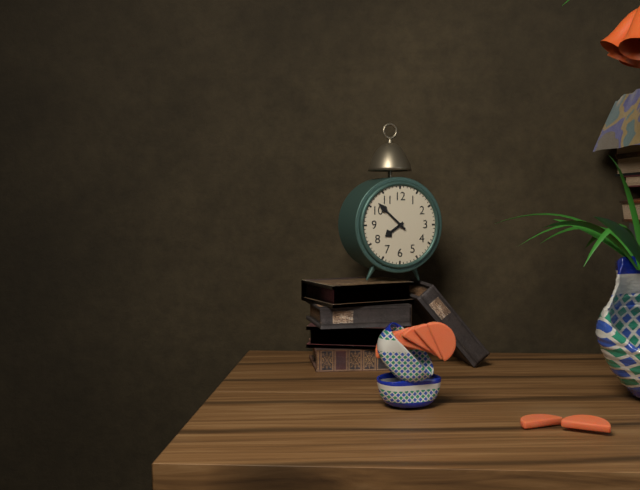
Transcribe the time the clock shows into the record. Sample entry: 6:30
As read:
7:52
